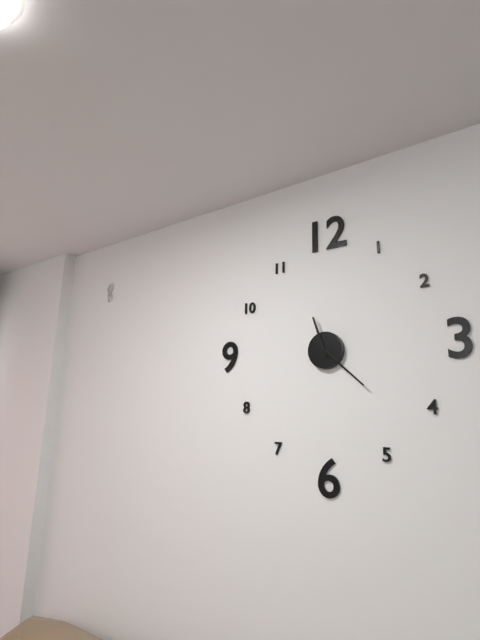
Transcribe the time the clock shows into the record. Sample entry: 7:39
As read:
11:22
